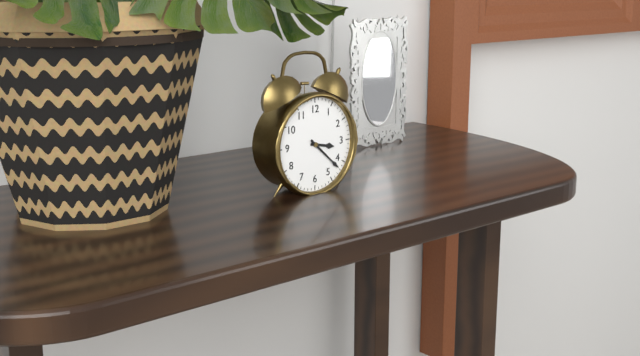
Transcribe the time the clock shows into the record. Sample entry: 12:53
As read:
3:22
